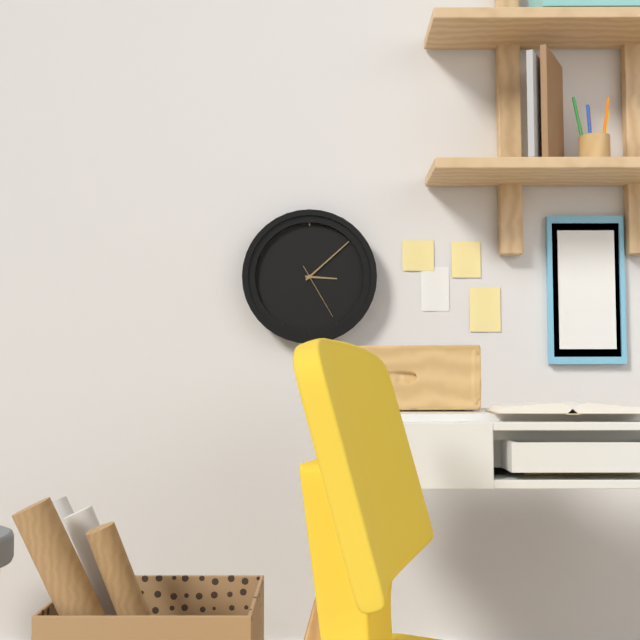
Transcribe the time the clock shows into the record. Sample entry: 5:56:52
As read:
3:08:25
